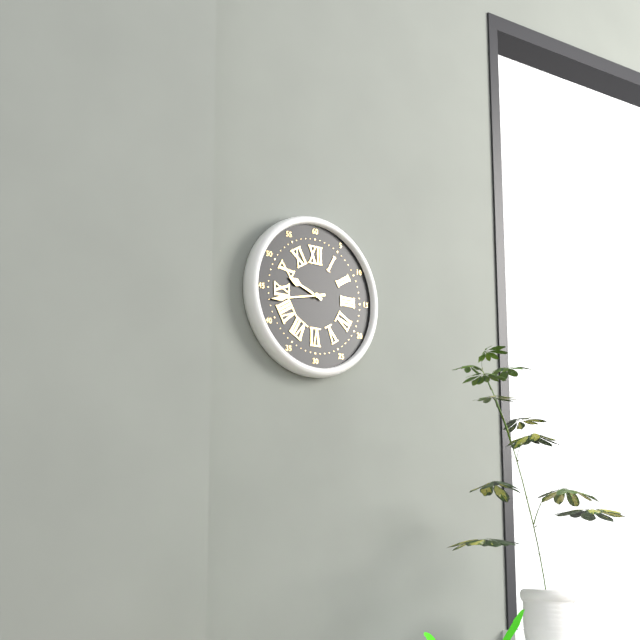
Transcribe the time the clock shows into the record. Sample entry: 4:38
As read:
9:43
